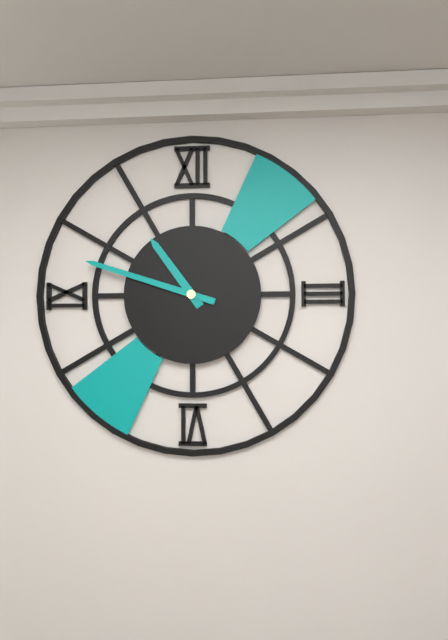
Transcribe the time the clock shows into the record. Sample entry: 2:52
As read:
10:48
